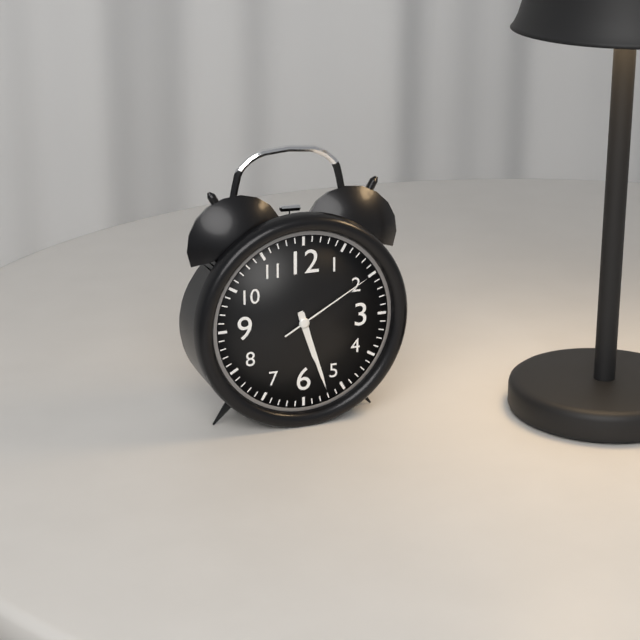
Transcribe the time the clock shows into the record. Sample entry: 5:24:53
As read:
5:27:10
